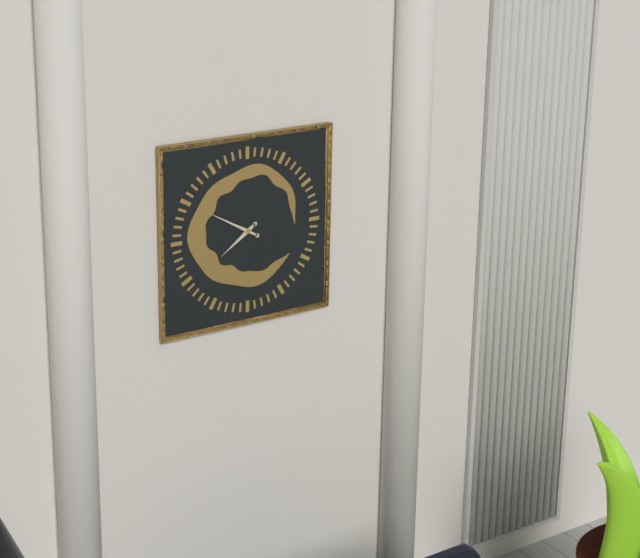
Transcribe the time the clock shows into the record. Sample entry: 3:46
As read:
7:50
